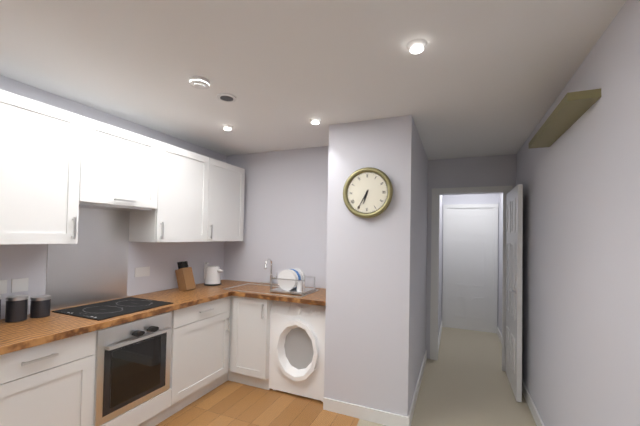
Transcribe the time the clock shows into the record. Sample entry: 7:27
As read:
6:35
